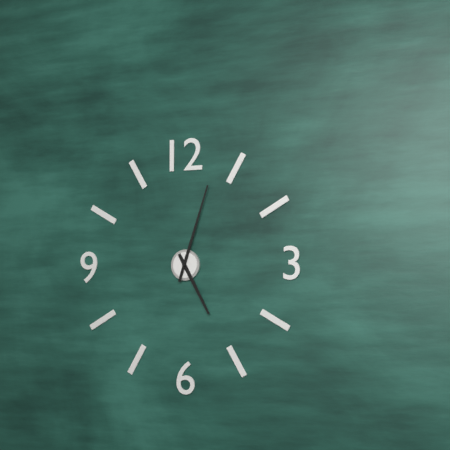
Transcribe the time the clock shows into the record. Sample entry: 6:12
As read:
5:03
